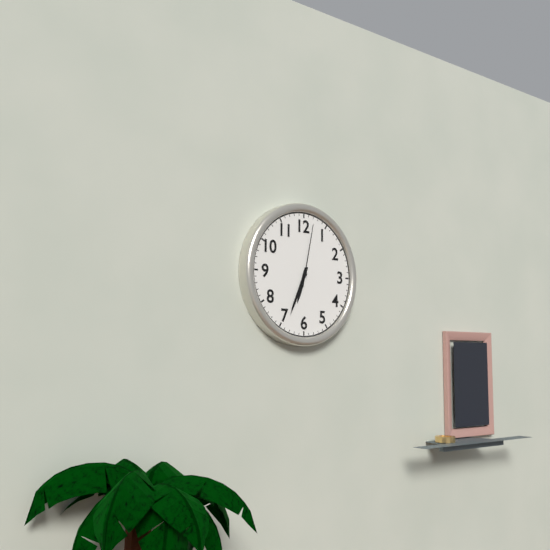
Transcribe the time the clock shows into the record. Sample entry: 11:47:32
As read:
6:34:02
